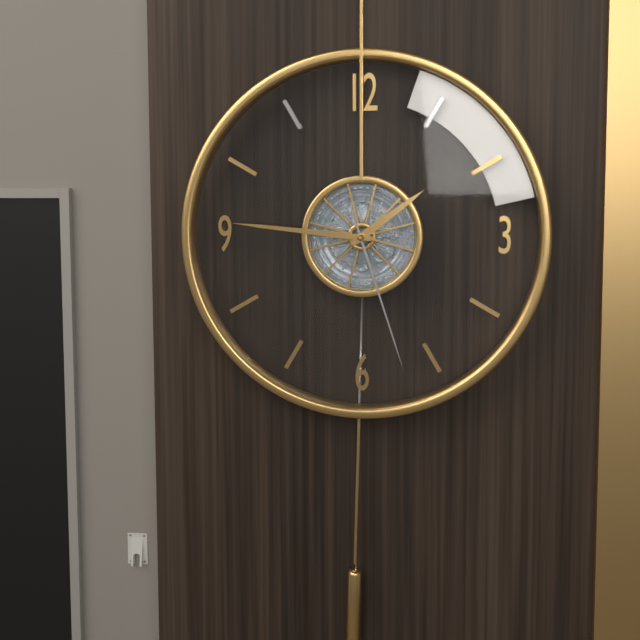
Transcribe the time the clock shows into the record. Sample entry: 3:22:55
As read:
1:46:27
